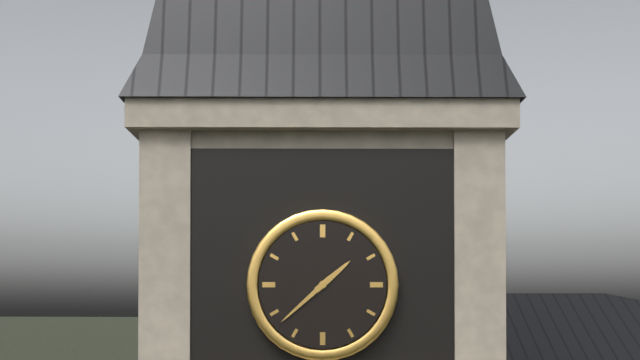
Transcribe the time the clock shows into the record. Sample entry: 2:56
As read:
1:38
